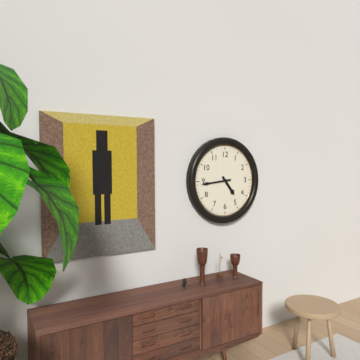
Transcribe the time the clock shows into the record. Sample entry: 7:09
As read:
4:44
